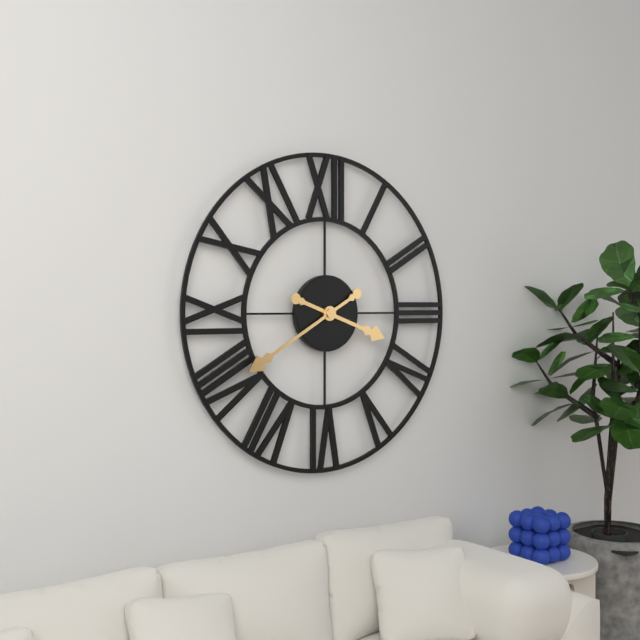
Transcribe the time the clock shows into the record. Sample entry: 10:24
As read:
3:40
